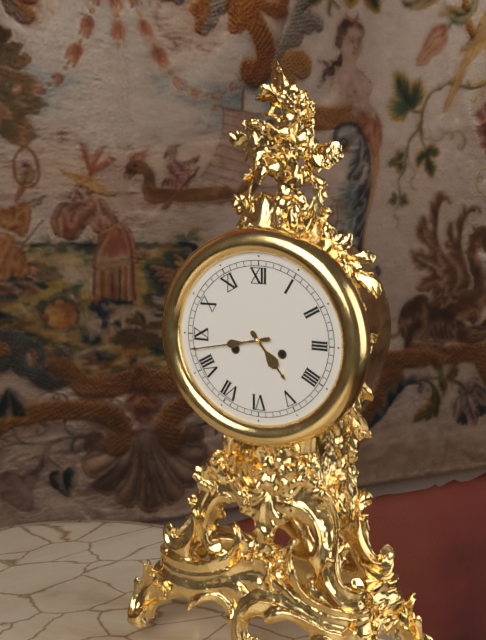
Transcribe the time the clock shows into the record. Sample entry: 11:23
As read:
4:43
